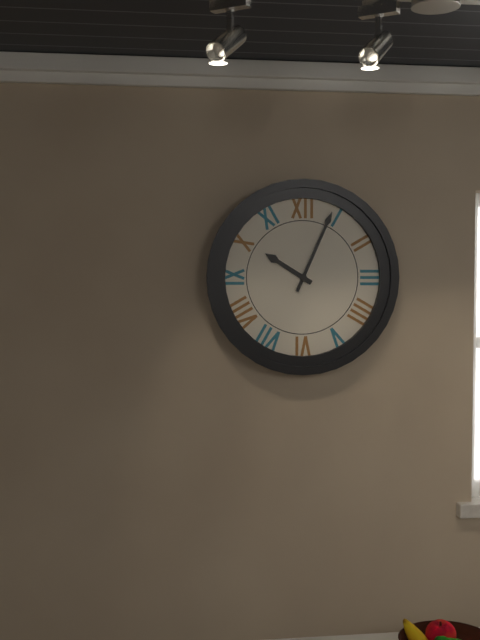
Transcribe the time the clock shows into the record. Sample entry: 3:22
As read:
10:04
